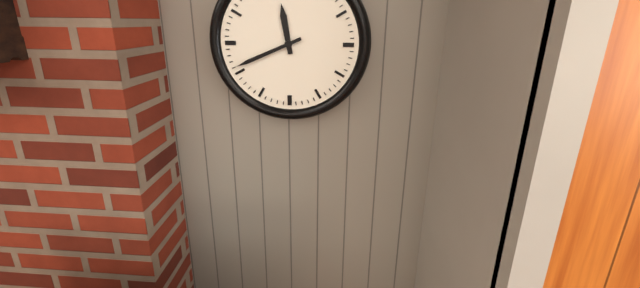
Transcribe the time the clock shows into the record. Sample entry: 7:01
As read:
11:41
